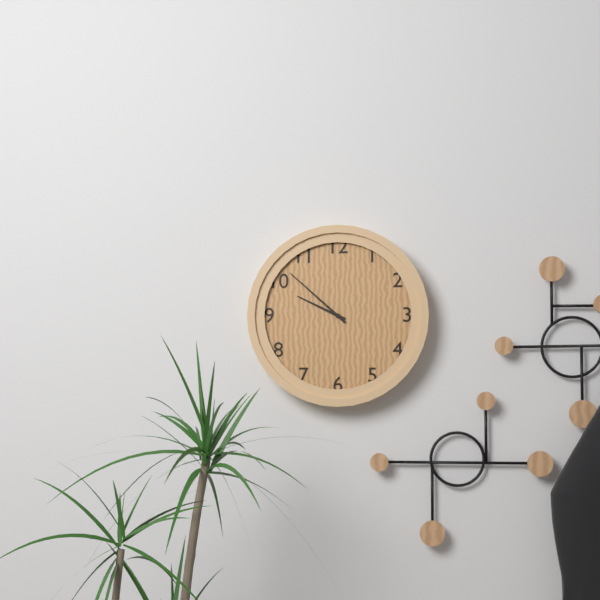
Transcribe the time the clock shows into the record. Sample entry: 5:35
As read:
9:52
